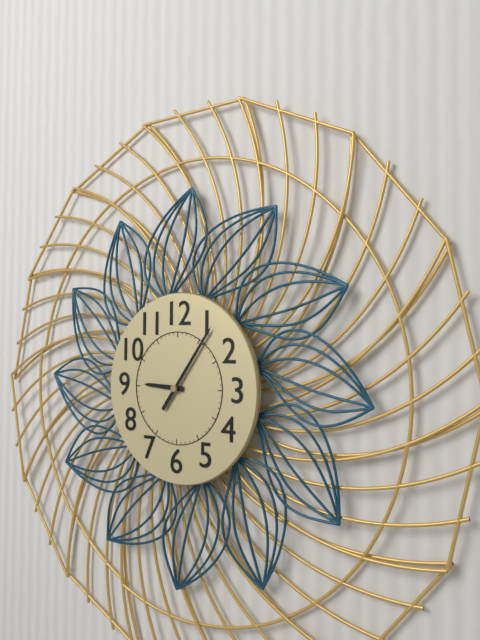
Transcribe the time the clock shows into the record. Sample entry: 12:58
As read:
9:06
